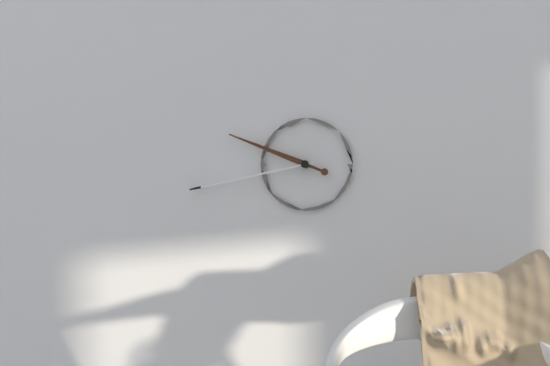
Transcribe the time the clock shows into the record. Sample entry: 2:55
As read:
9:43
